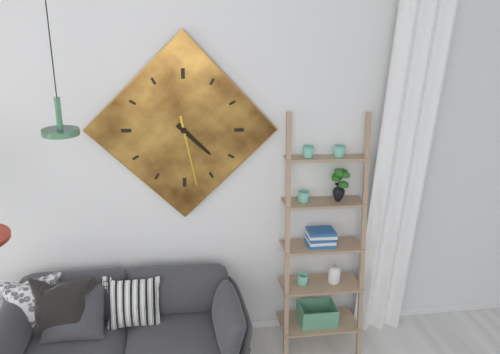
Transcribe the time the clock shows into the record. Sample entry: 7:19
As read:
4:28
